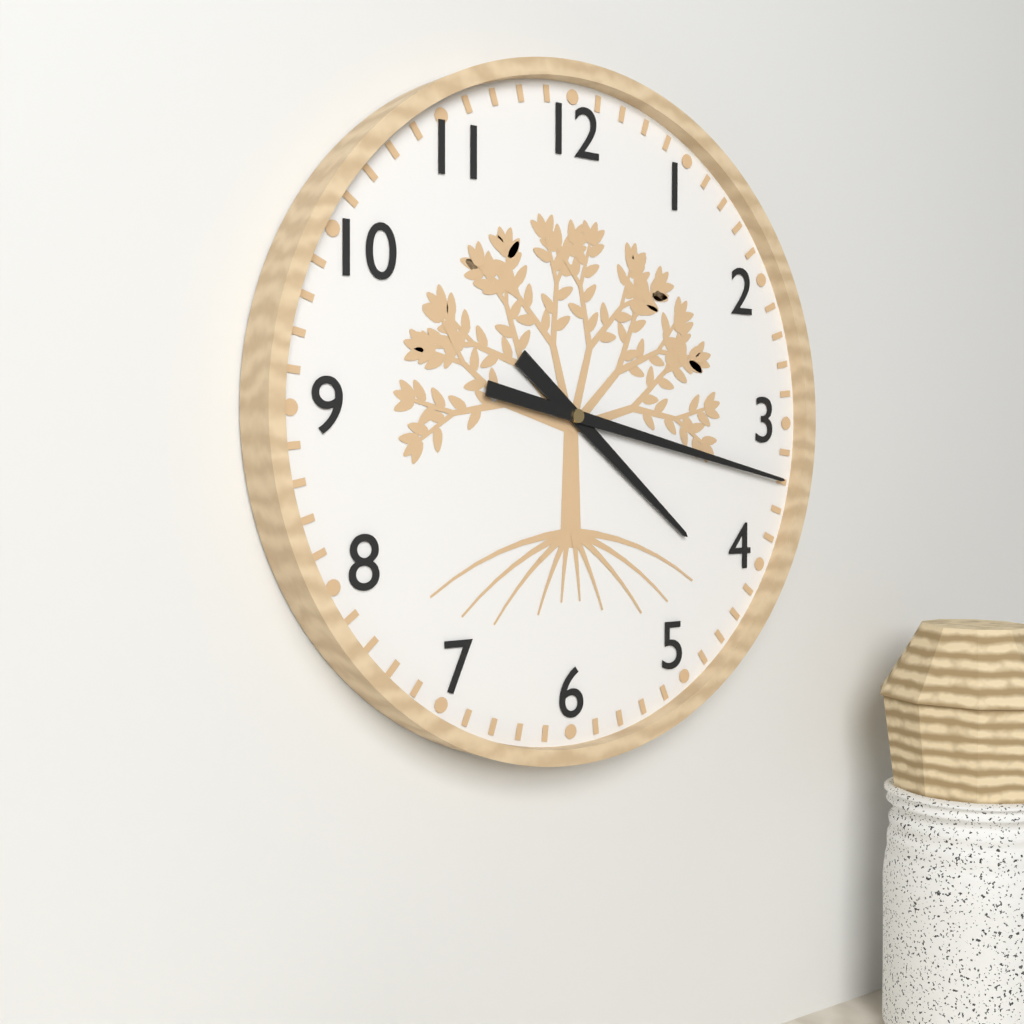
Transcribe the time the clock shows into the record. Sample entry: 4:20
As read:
4:17
